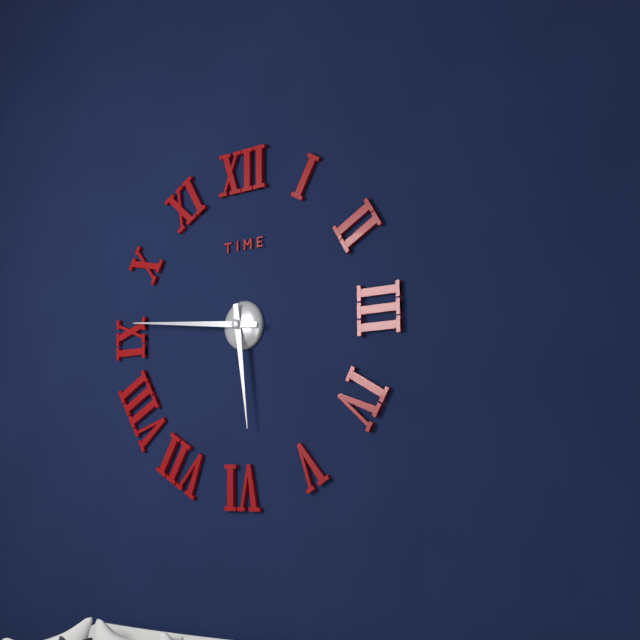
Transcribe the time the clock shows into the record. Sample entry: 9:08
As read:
5:46
